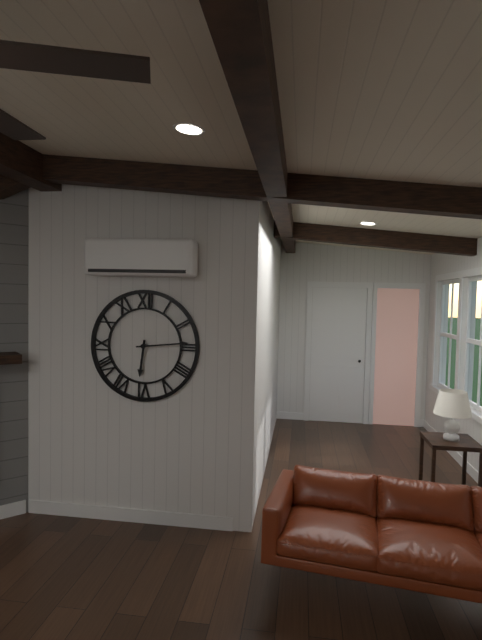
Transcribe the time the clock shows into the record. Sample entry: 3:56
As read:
6:14
